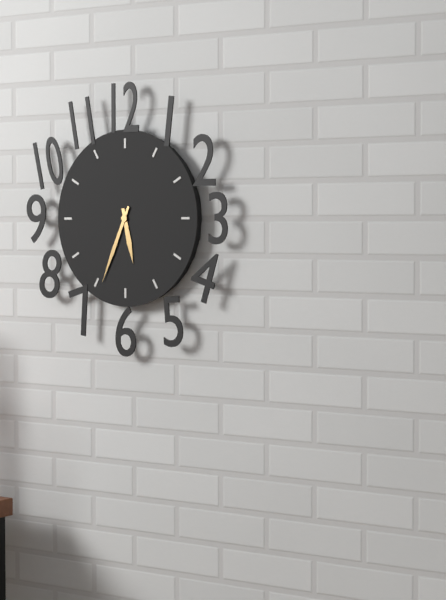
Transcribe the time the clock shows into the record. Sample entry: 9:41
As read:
5:34
